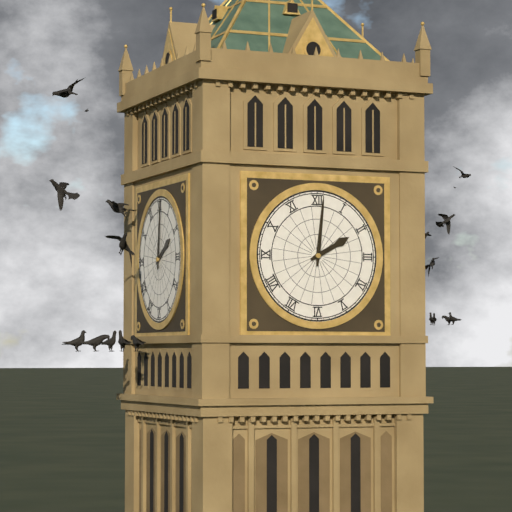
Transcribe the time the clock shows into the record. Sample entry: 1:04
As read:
2:01
